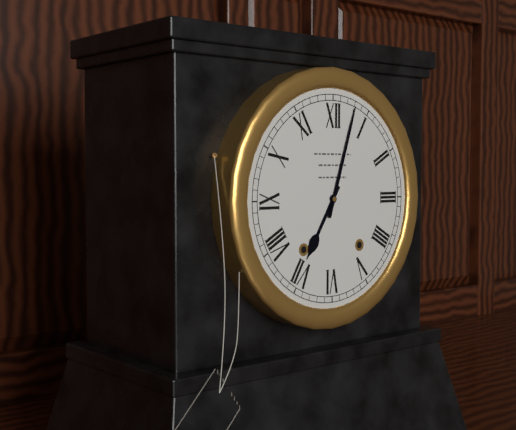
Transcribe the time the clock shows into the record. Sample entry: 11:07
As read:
7:03
